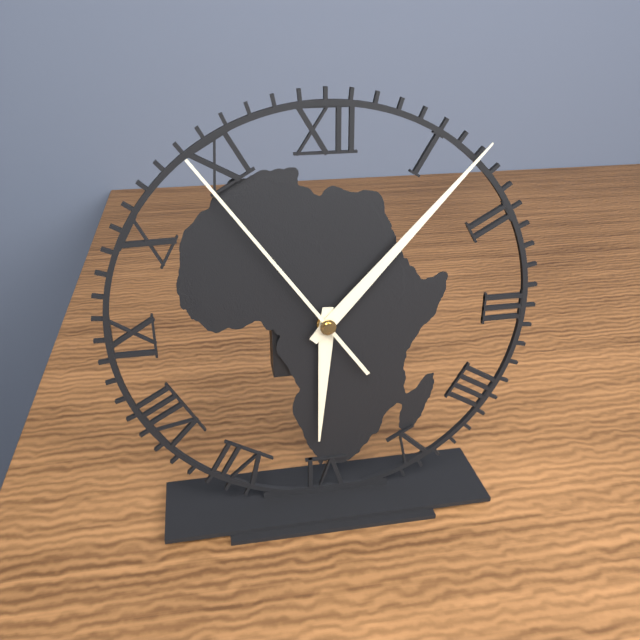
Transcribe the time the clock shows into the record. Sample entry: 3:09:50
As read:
6:07:54
